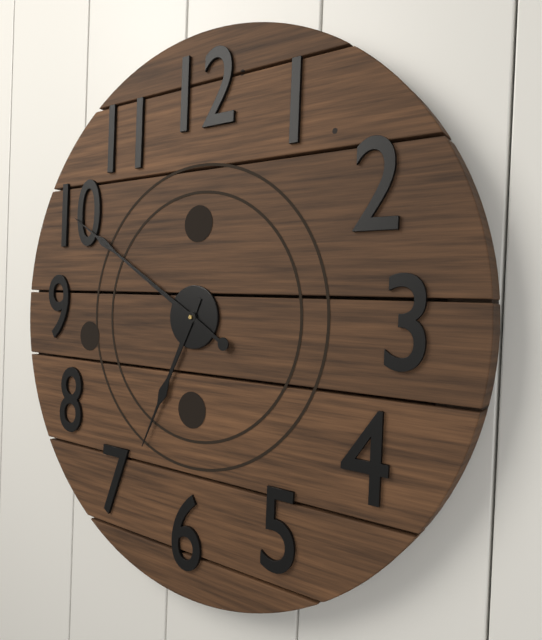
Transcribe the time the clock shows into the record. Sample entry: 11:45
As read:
6:50
